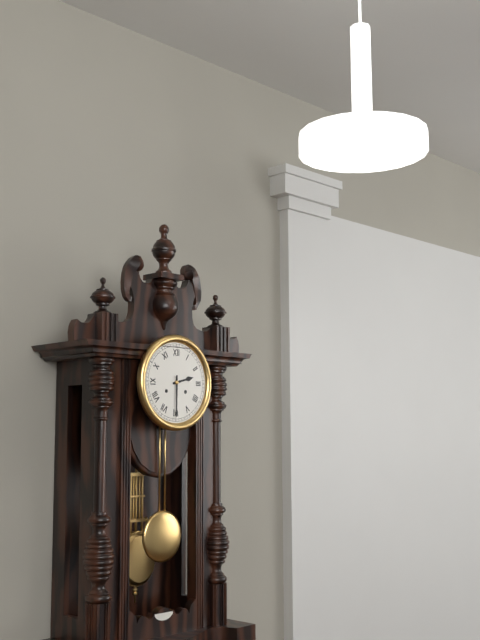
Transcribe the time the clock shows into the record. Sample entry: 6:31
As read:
2:30
